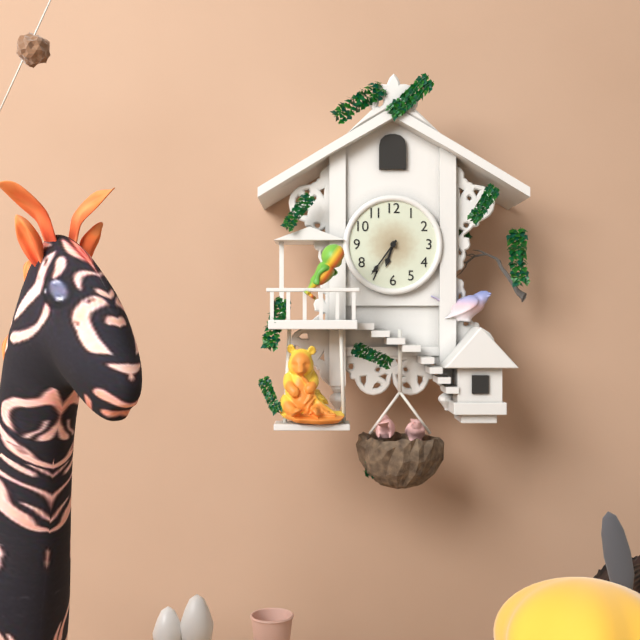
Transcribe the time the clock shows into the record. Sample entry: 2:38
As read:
6:36
